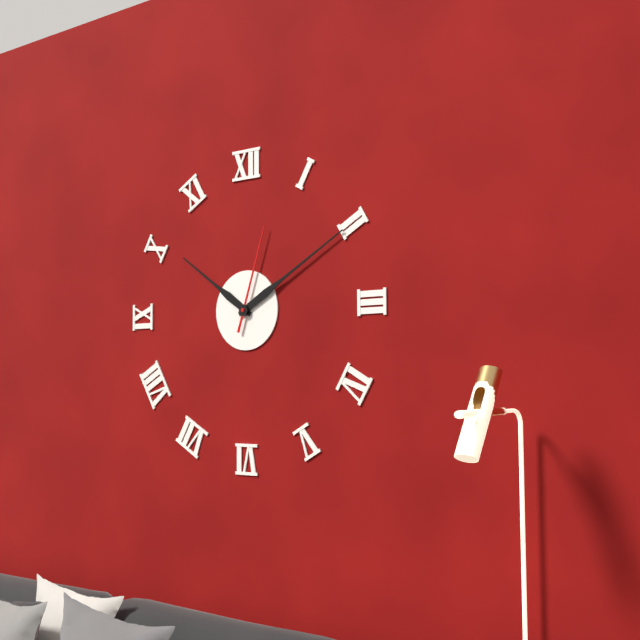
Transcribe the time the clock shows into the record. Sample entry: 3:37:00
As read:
10:10:03
